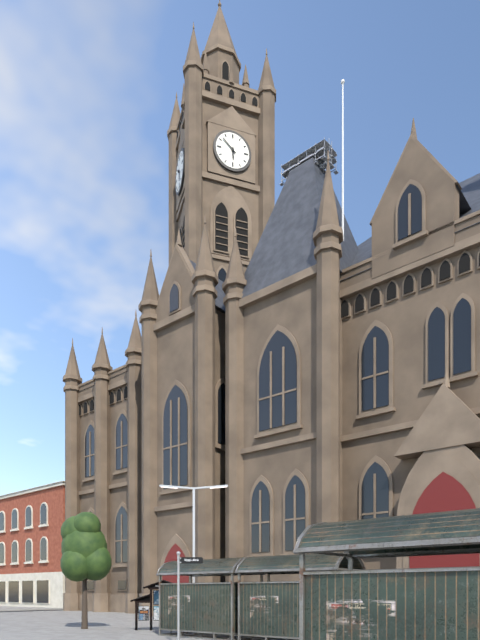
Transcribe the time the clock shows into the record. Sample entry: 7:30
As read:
5:52
